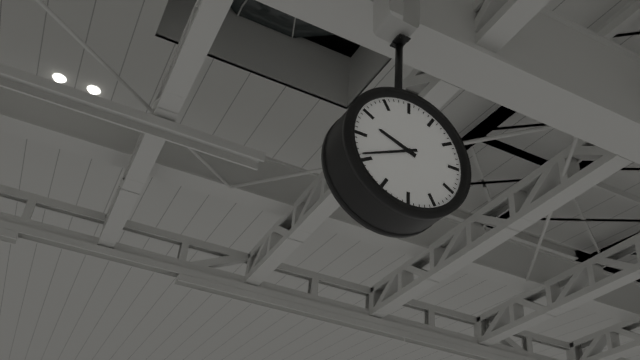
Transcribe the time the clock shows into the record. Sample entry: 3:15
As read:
9:41
